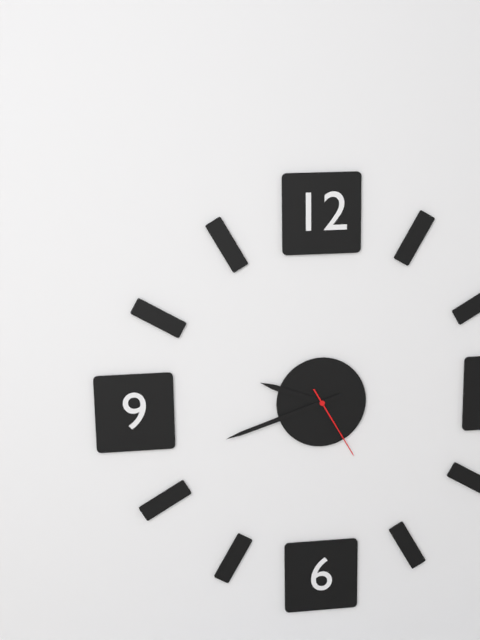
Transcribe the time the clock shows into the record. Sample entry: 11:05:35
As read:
9:42:25
